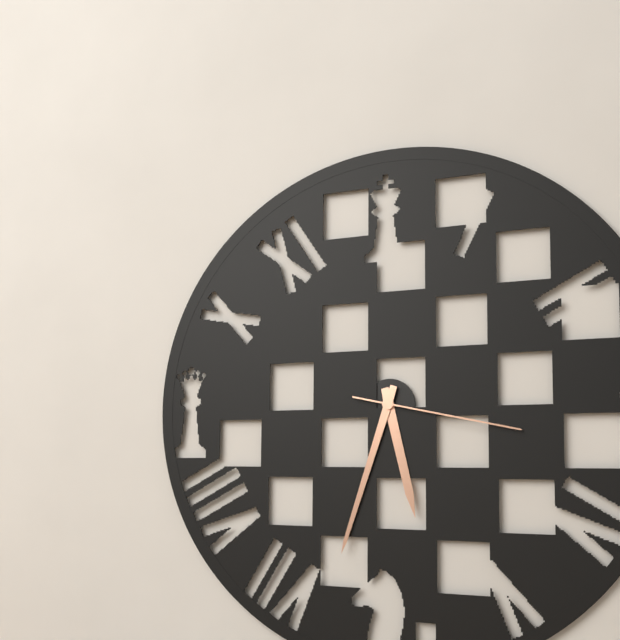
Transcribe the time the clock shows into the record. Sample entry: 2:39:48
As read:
5:33:17
